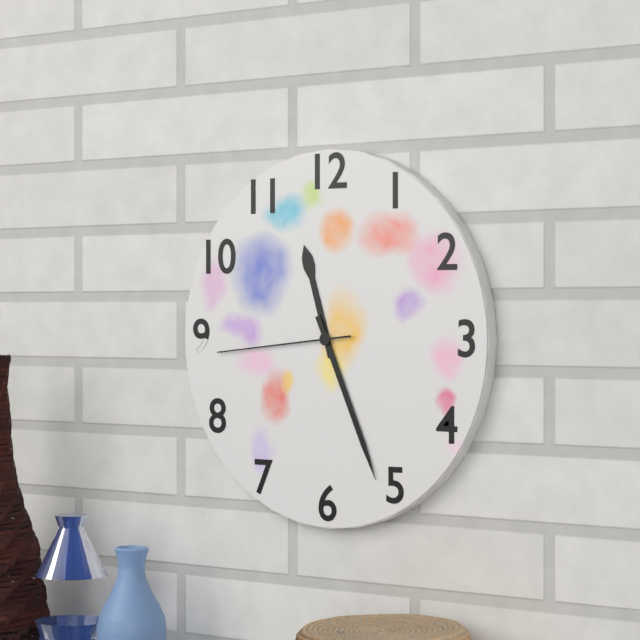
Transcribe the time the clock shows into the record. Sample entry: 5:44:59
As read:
11:26:44
